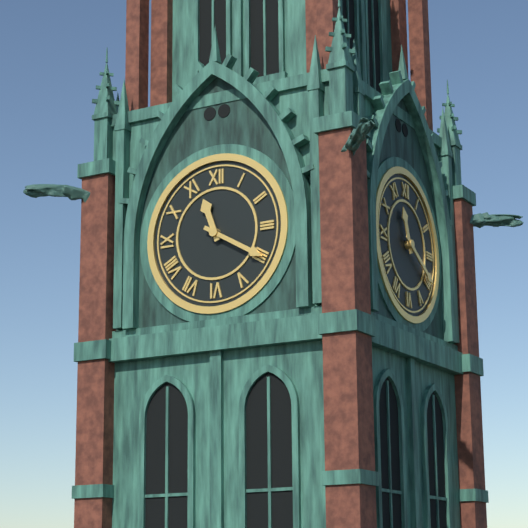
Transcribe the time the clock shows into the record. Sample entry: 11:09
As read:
11:20
